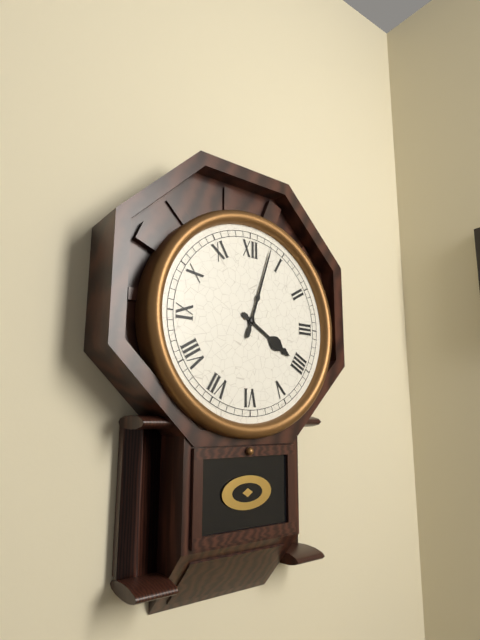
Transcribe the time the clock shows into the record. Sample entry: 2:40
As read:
4:03
